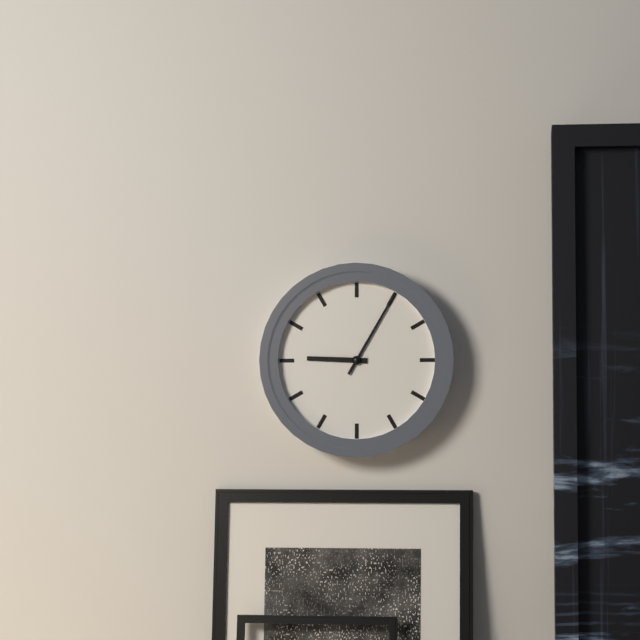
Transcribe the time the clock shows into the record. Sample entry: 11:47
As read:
9:05
